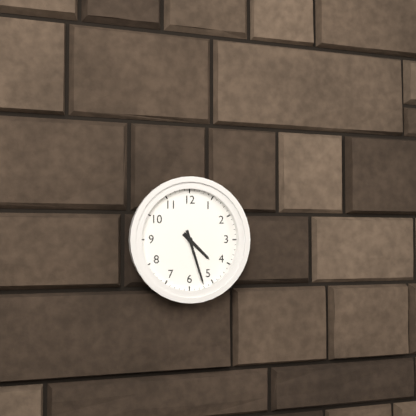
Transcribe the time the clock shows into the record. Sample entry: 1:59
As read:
4:27
